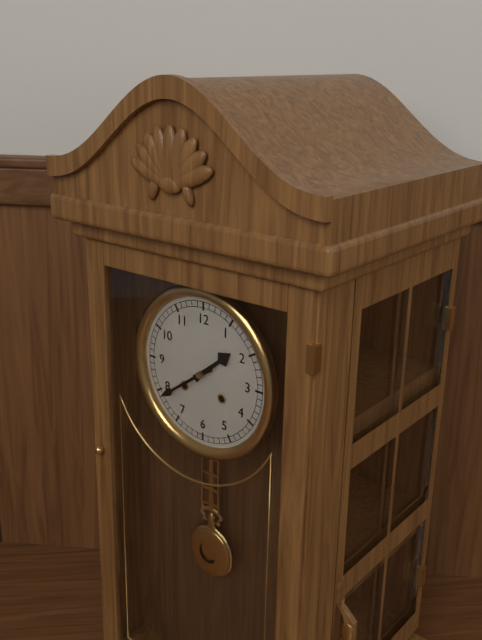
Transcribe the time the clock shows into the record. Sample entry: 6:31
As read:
1:39
